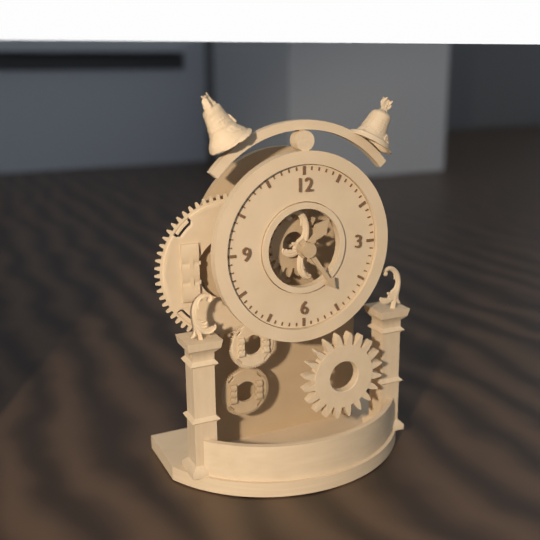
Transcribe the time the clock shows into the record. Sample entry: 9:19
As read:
1:24
